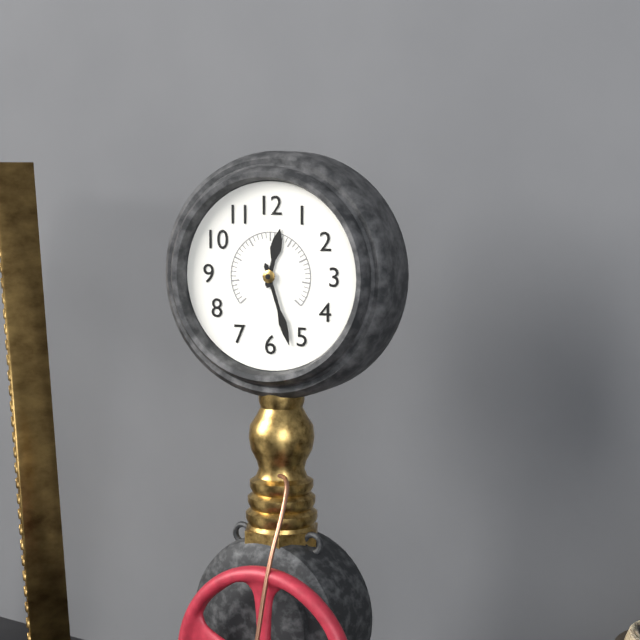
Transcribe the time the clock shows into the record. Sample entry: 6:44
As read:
12:27
